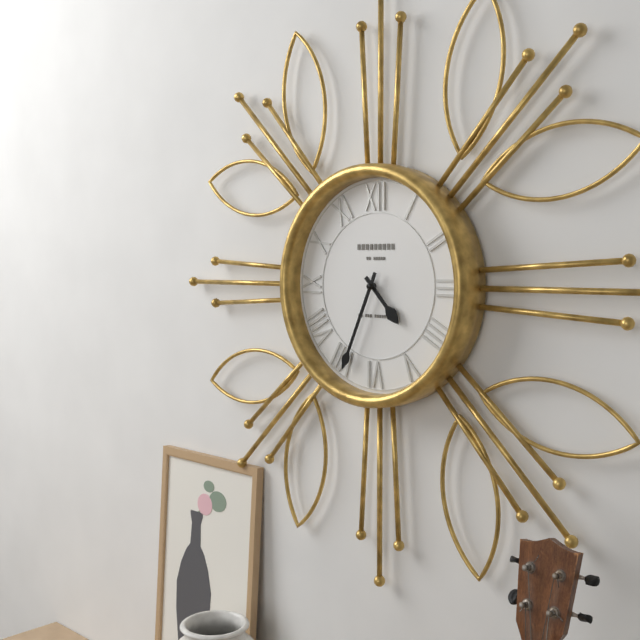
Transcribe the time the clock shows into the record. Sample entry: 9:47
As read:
4:34
